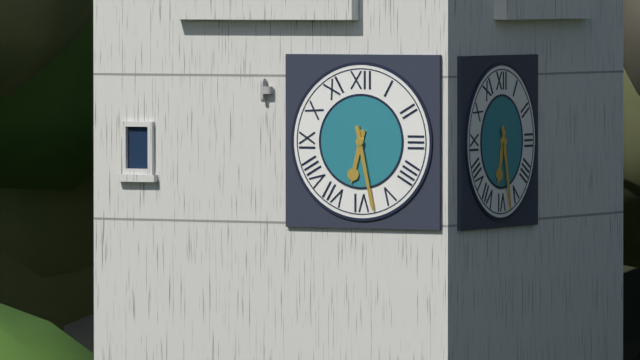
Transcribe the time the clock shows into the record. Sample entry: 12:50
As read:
6:28
